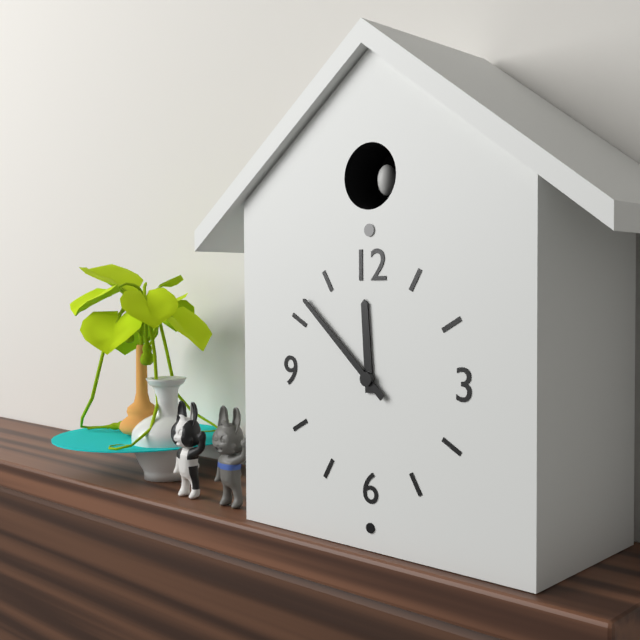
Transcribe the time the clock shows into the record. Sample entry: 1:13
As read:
11:52
